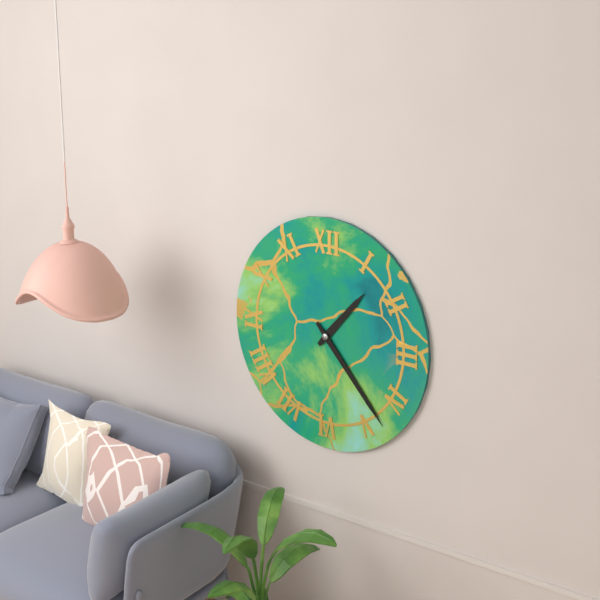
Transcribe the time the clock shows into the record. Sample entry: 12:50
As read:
1:23
